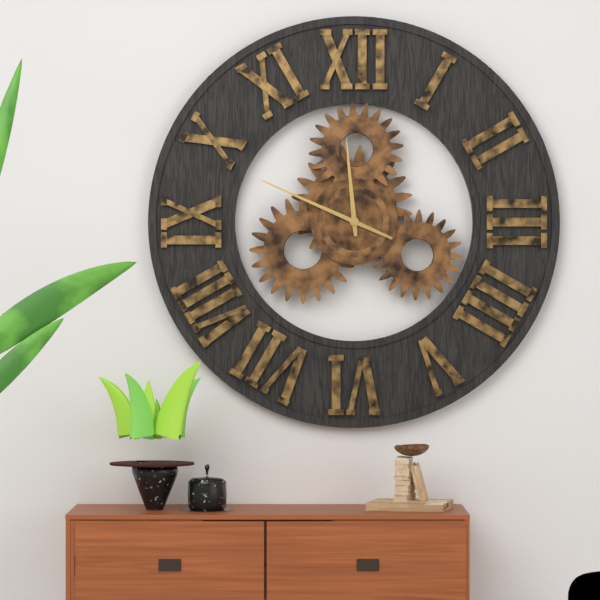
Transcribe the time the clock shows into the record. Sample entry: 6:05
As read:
11:49
